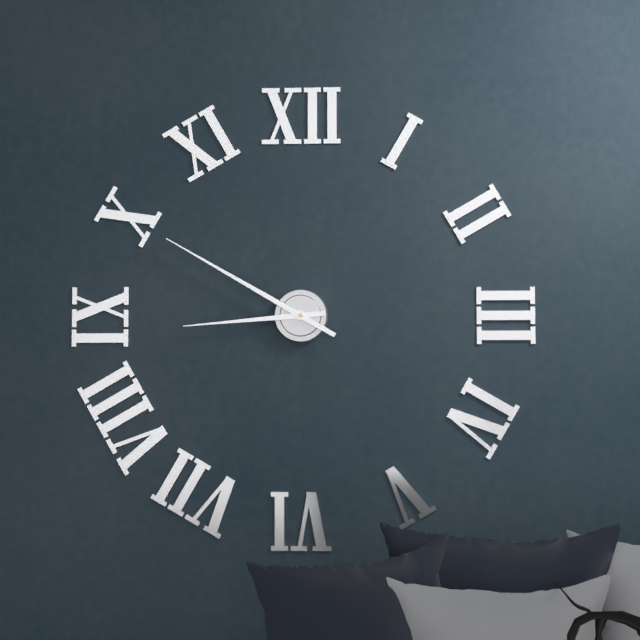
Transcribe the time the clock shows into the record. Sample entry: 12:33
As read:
8:50
